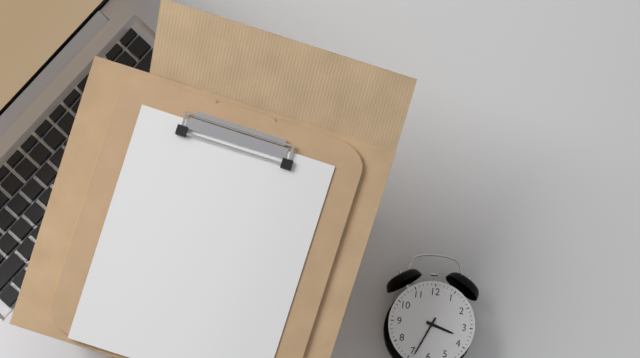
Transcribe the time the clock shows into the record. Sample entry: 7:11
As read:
3:34
